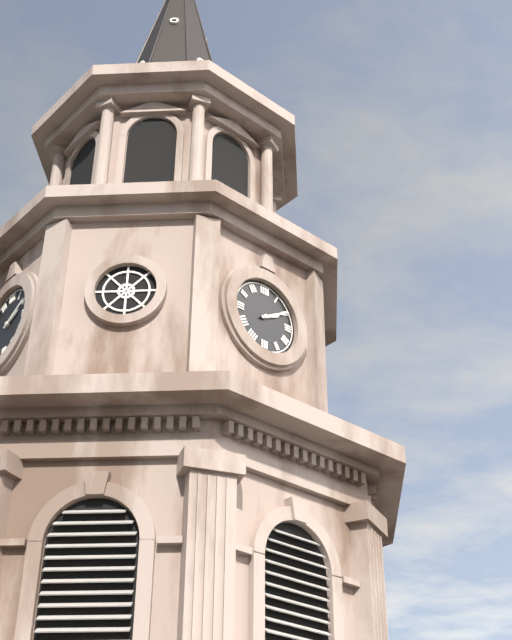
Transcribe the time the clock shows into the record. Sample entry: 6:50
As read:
2:10
